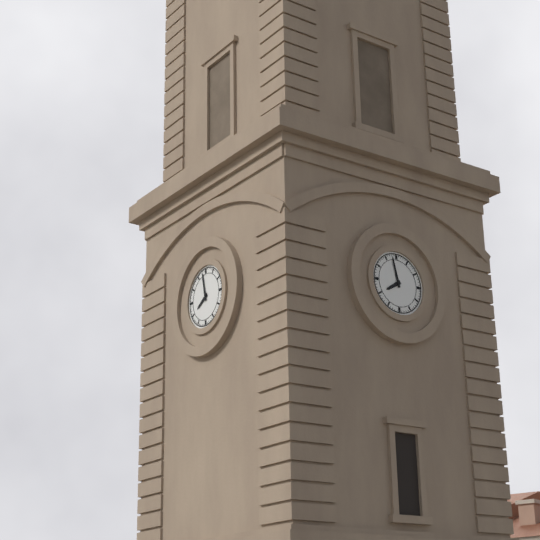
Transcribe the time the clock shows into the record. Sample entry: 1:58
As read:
7:58
